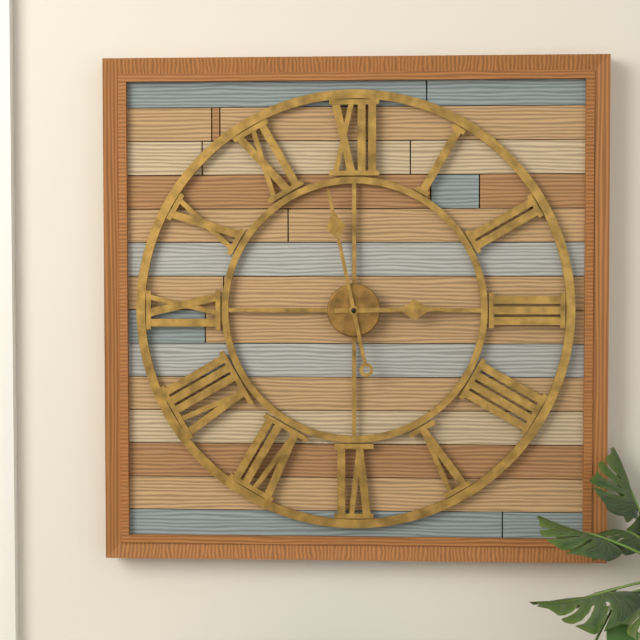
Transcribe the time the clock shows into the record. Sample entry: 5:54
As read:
2:58
